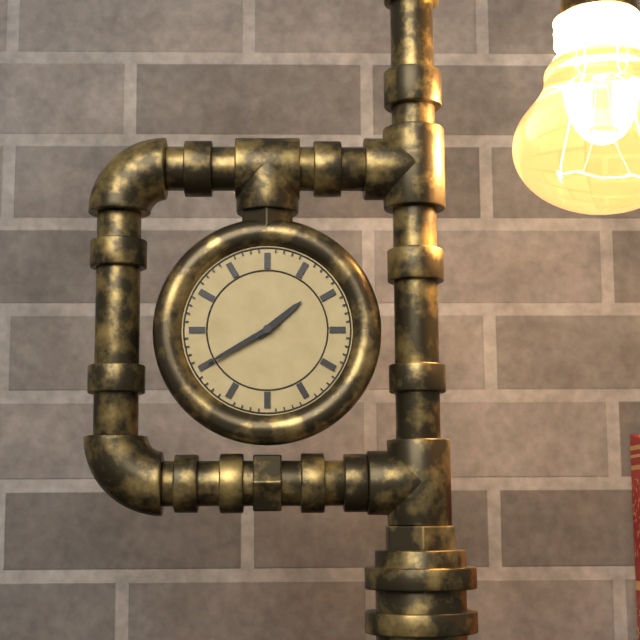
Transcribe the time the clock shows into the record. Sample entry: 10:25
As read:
1:40
